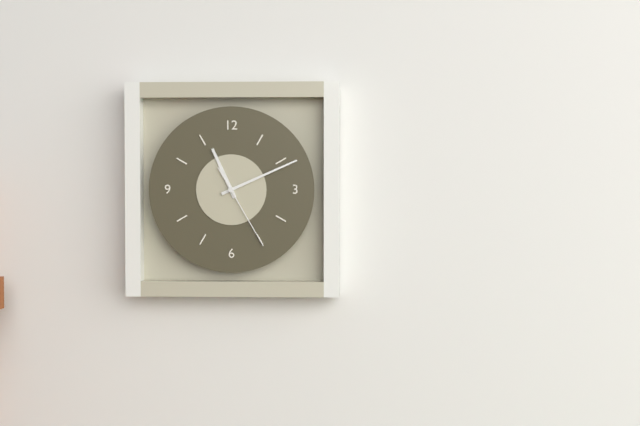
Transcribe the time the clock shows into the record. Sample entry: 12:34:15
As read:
11:11:25
